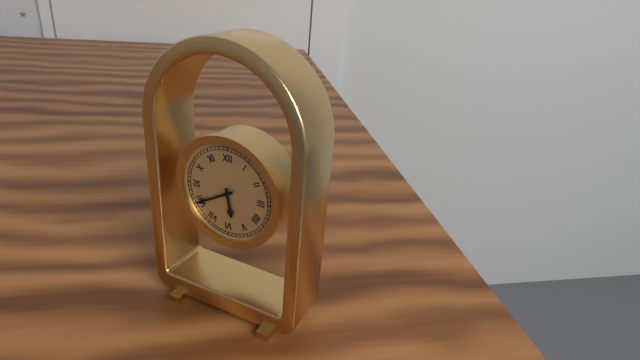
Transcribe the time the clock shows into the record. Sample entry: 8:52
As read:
5:40
